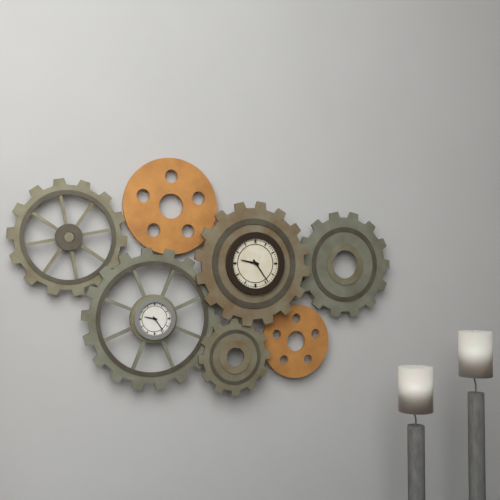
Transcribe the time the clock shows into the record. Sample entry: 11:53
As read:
9:24
